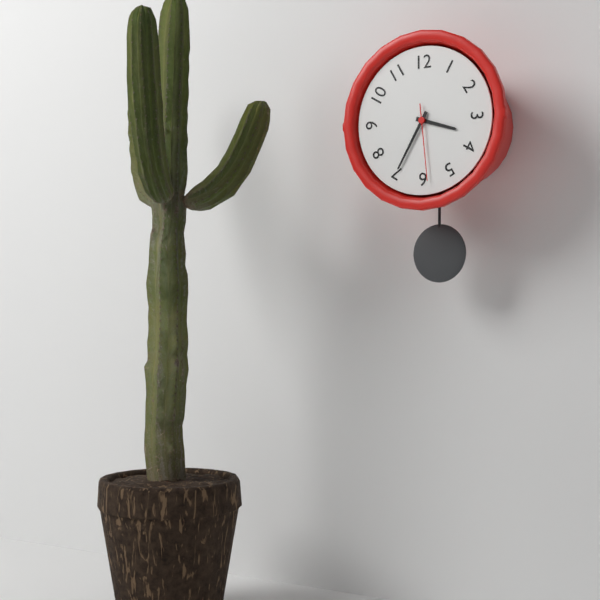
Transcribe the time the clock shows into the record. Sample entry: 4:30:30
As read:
3:35:29
